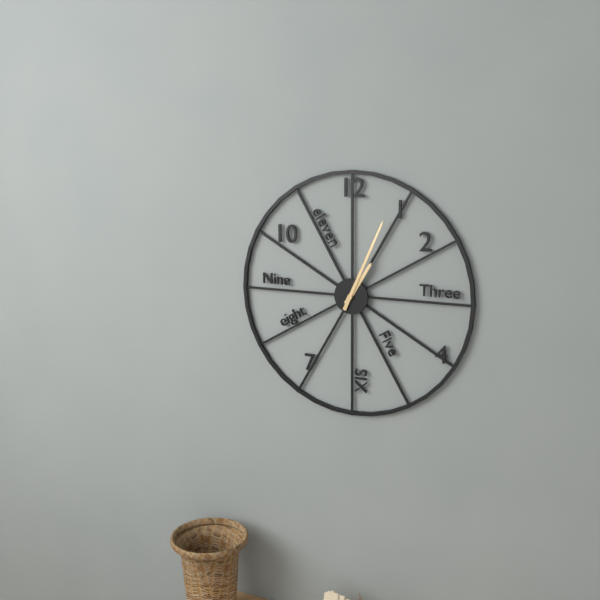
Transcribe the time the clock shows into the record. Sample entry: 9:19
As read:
1:04
